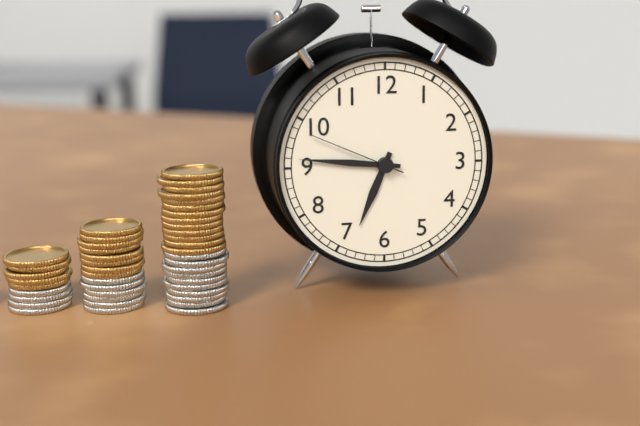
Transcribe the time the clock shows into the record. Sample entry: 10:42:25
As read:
6:46:49
